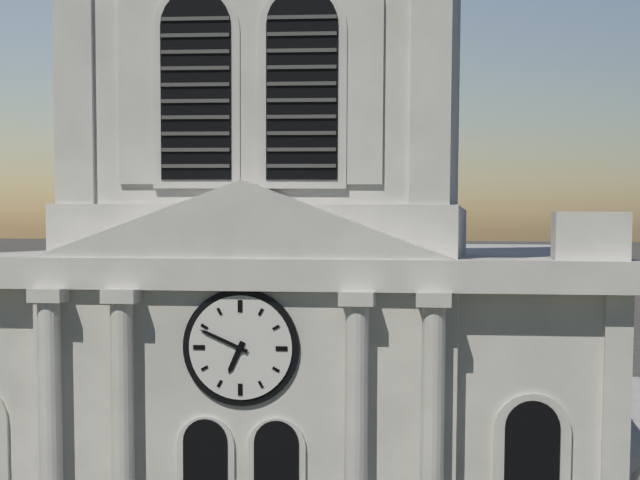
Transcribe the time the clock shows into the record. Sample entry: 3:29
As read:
6:49
